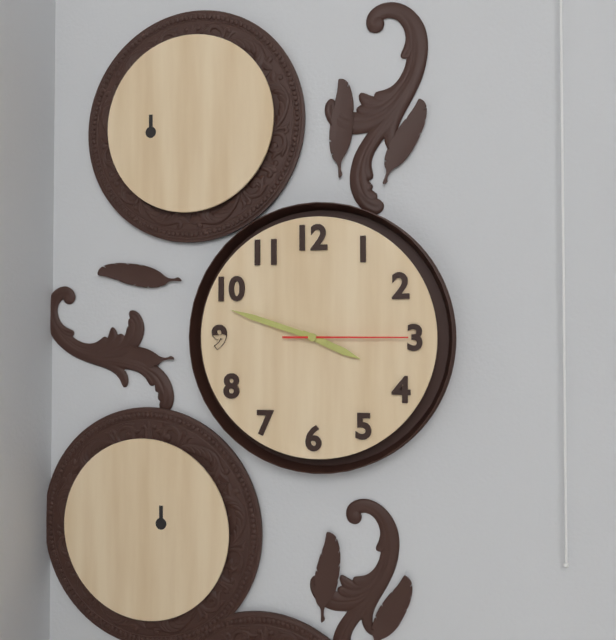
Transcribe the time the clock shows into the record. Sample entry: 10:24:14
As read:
3:48:15
